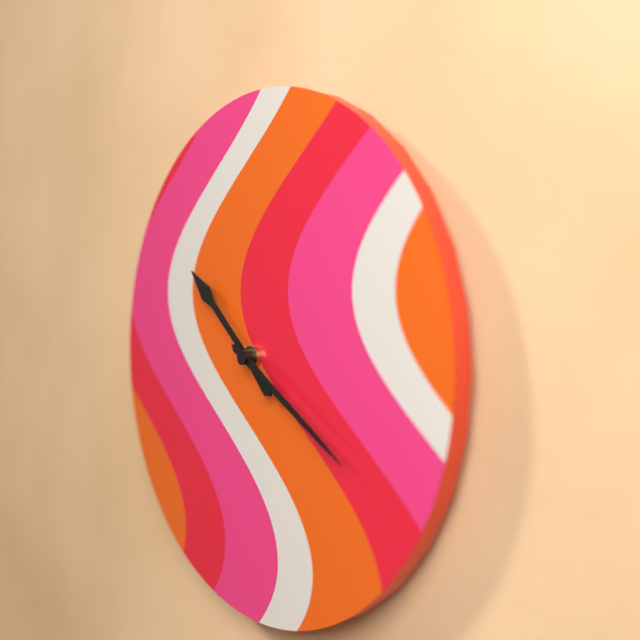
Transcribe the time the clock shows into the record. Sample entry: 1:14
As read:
10:20
